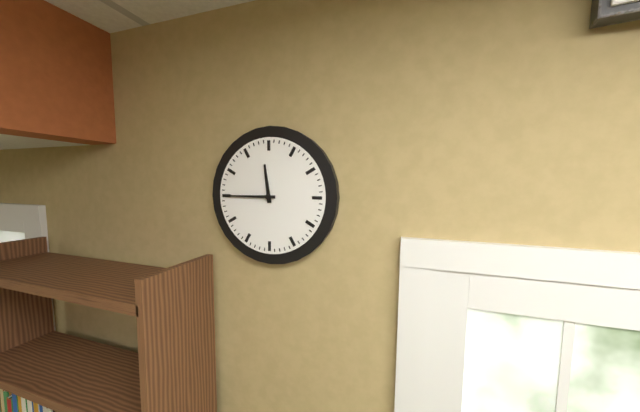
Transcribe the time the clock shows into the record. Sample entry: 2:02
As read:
11:45
